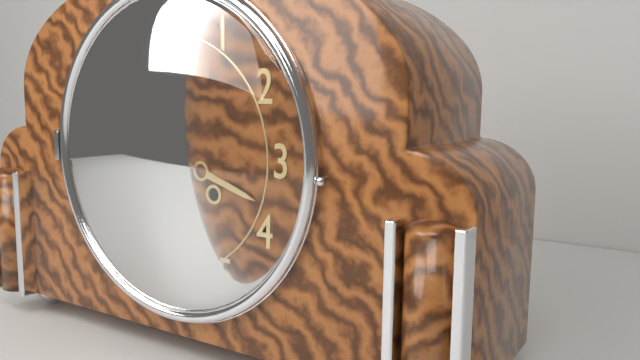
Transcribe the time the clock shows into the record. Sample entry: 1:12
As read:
3:38
